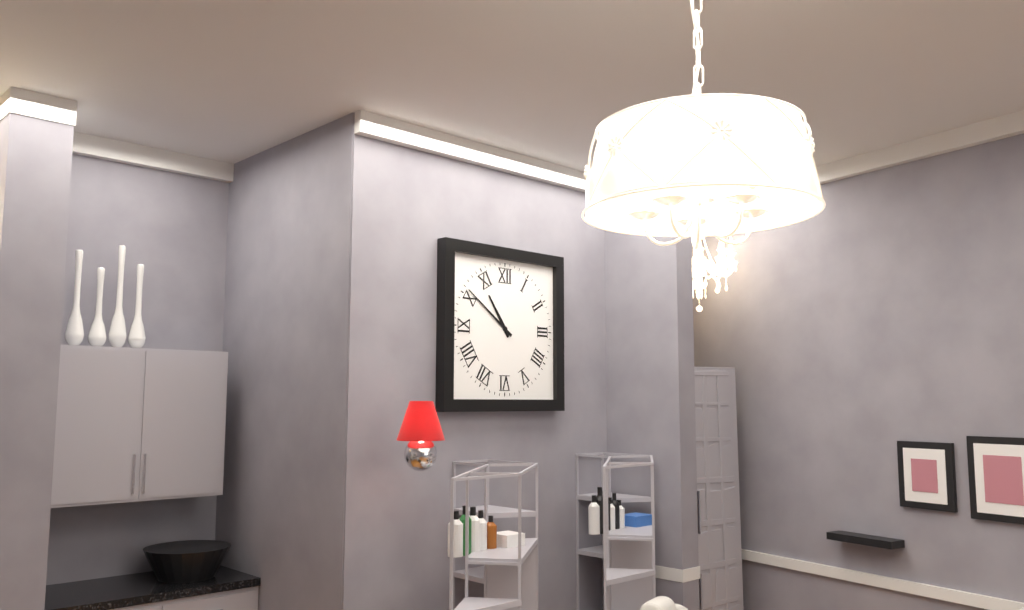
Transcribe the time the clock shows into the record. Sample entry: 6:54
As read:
10:51
